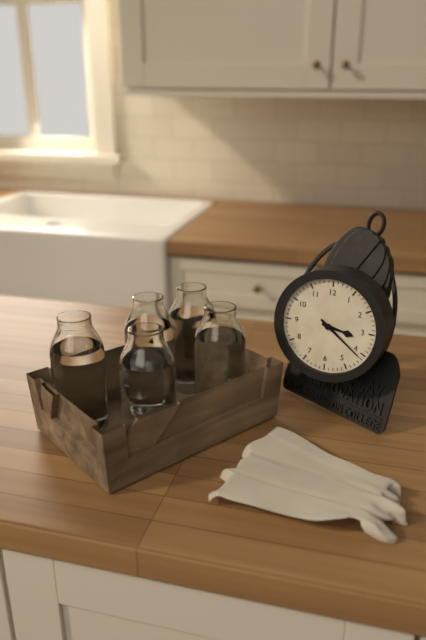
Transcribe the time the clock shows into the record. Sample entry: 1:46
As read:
3:21
